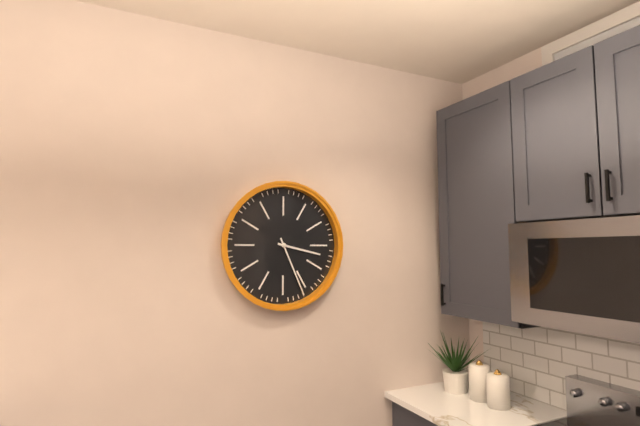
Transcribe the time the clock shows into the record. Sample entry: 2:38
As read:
3:26
